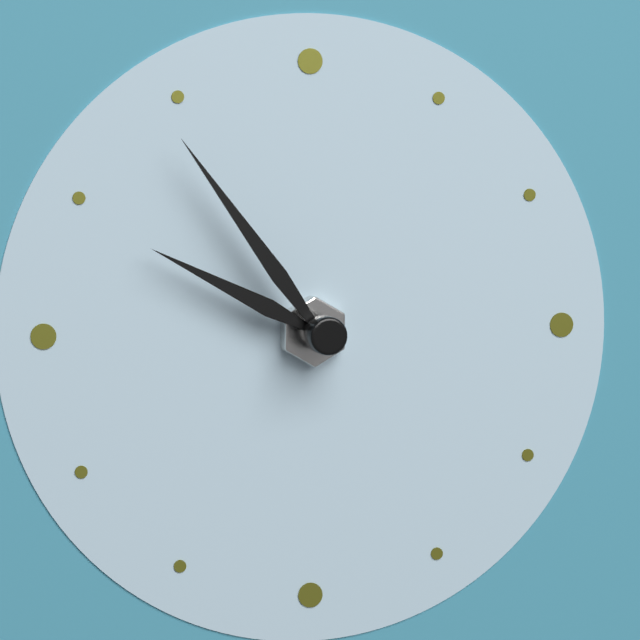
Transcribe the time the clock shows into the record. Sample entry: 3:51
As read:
9:54
